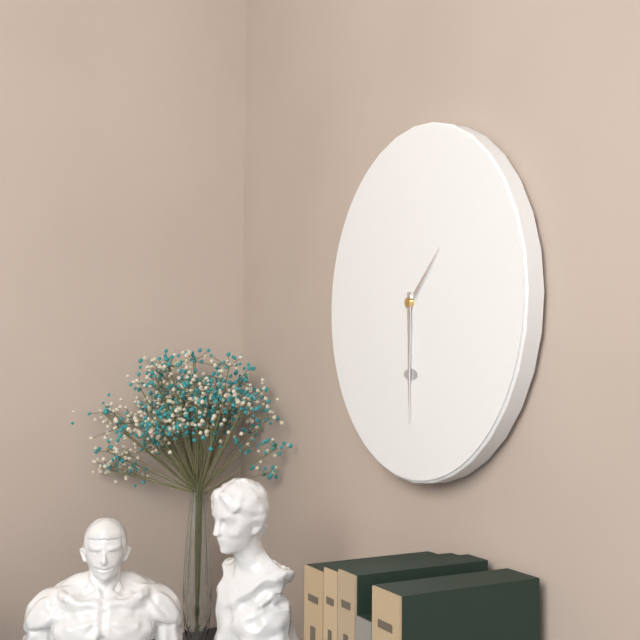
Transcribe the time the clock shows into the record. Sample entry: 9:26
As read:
1:30
